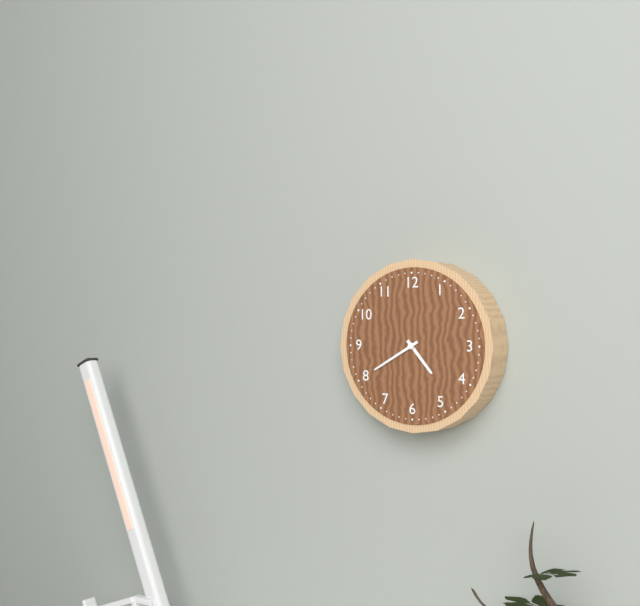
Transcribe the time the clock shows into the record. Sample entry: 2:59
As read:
4:40
